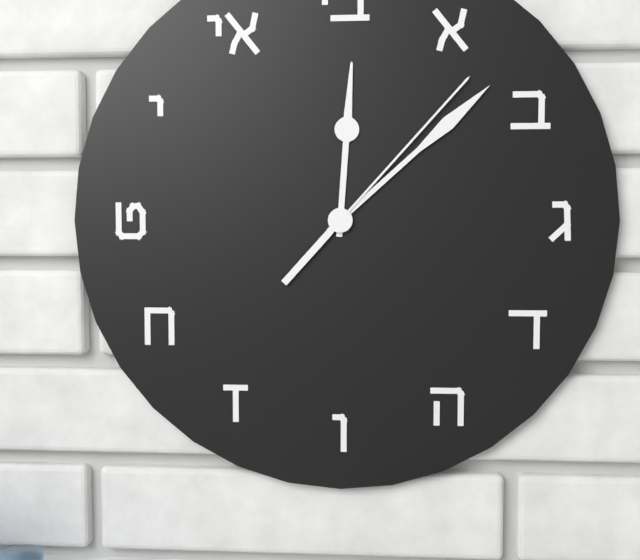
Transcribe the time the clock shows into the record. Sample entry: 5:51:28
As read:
12:08:07
